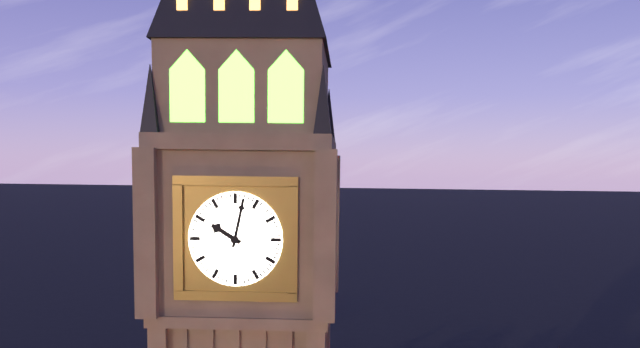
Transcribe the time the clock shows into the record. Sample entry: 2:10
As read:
10:02
